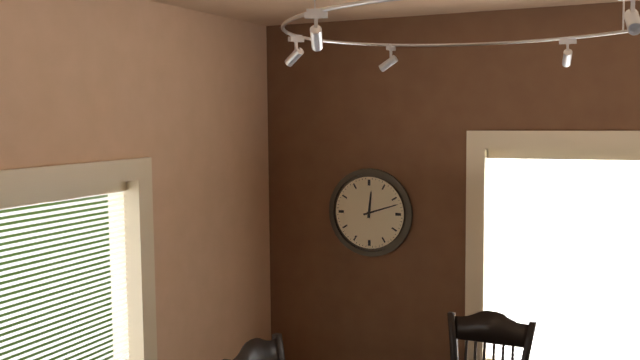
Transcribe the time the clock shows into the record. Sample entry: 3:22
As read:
12:12
